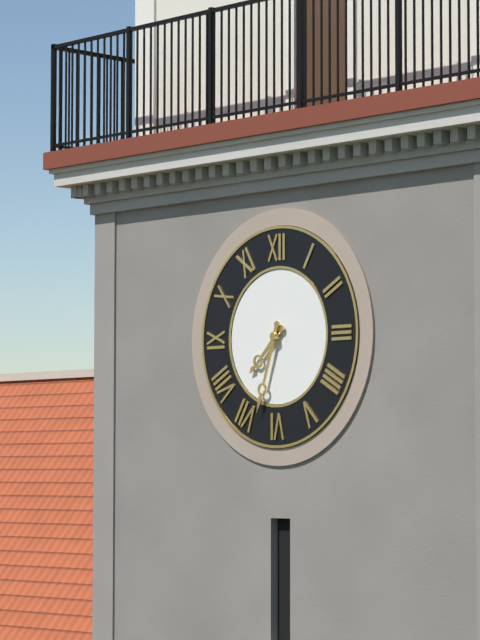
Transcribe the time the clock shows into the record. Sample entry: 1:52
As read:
7:33
